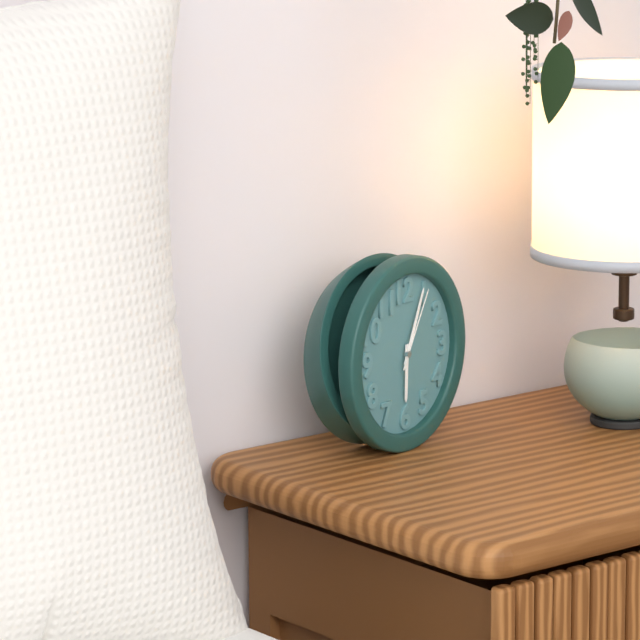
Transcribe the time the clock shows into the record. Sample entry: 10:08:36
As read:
6:04:05
